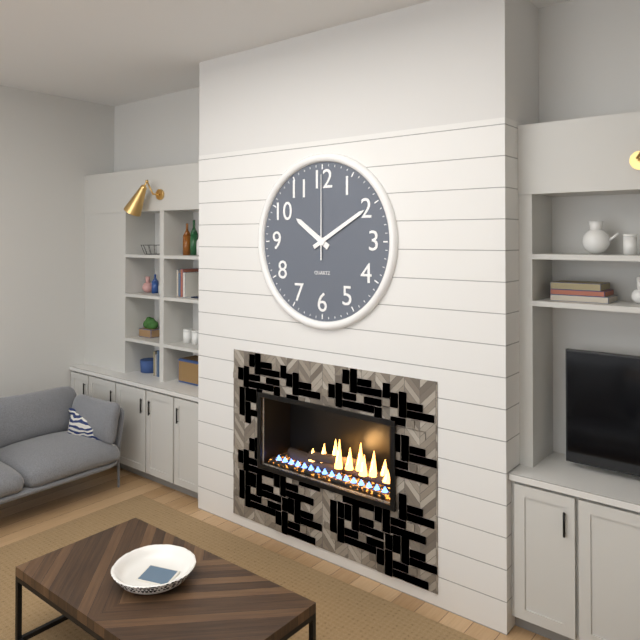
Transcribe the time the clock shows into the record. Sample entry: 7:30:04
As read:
10:10:00
